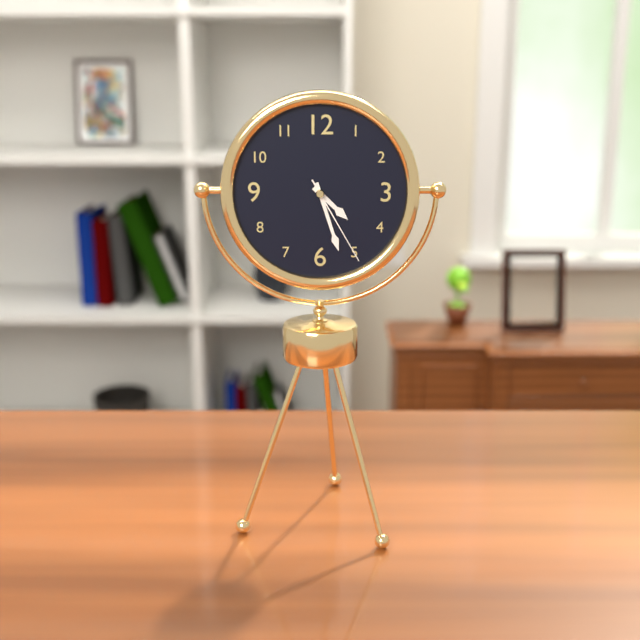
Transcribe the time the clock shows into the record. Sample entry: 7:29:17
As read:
4:27:25
